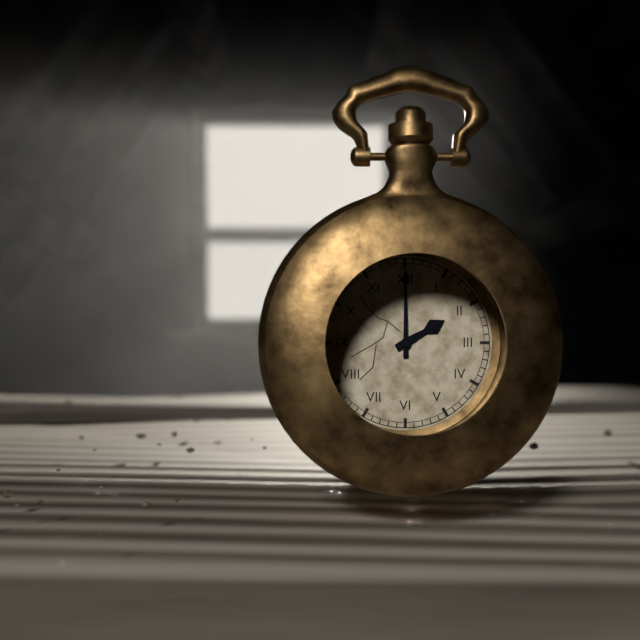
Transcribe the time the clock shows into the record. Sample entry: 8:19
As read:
2:00
